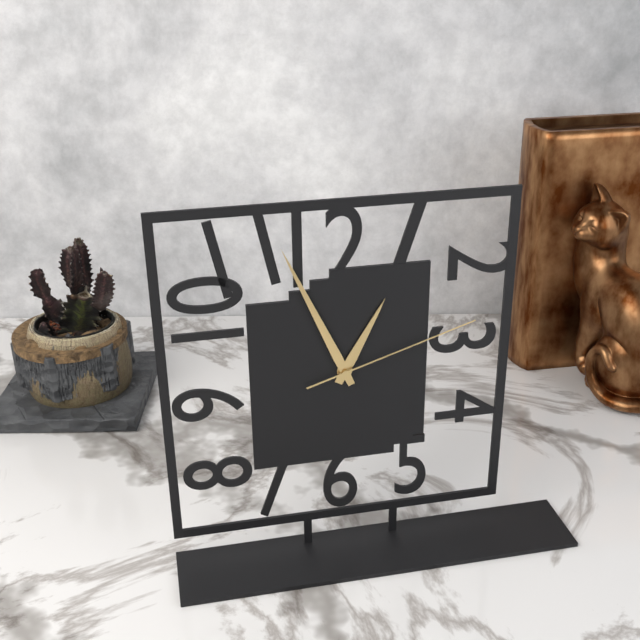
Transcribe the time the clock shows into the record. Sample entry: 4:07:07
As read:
12:56:12
